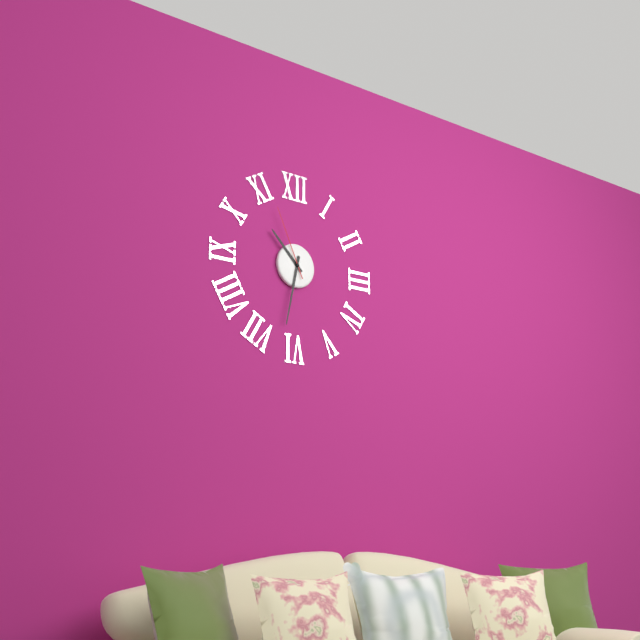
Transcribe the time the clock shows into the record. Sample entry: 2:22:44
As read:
10:32:56
